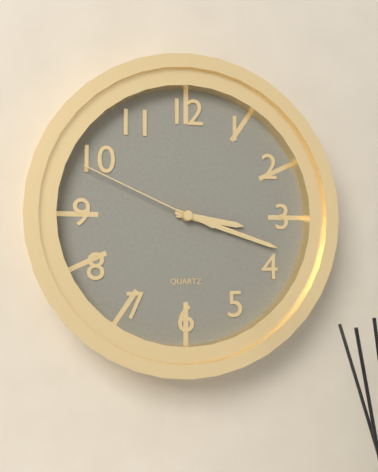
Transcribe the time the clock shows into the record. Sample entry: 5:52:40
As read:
3:18:49
